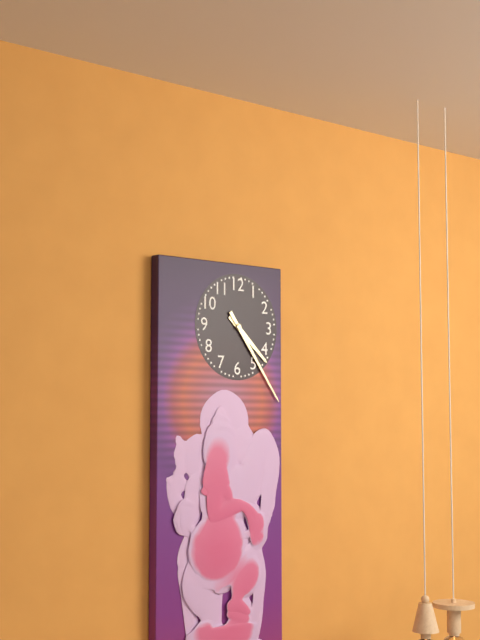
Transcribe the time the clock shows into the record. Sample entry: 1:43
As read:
4:24
